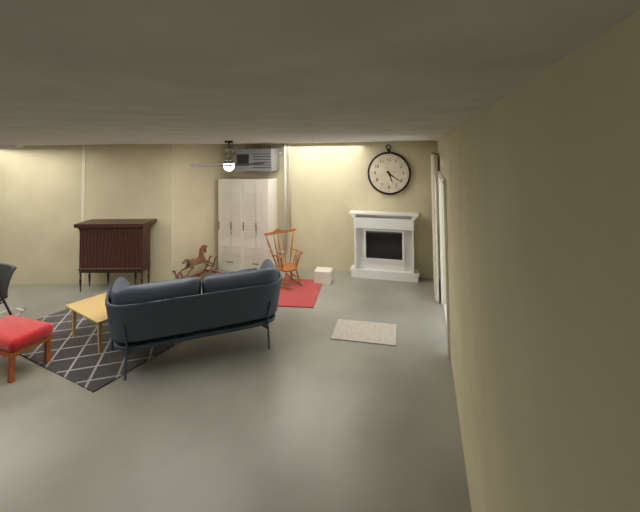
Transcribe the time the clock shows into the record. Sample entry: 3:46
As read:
5:21
